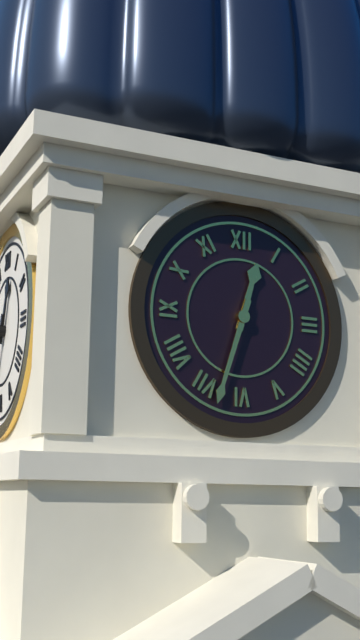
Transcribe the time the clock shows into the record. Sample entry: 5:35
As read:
12:33
